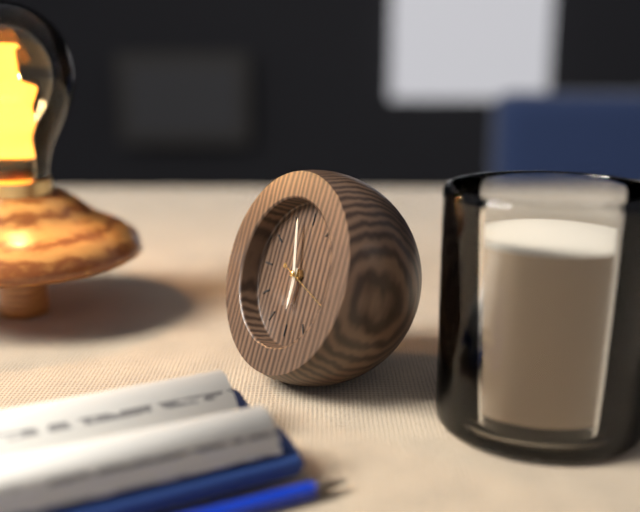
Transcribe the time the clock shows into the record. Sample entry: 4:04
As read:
5:57
